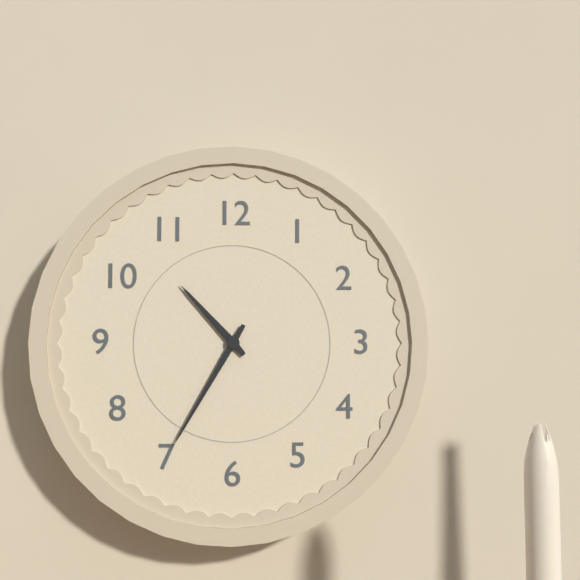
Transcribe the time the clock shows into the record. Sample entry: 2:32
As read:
10:35
